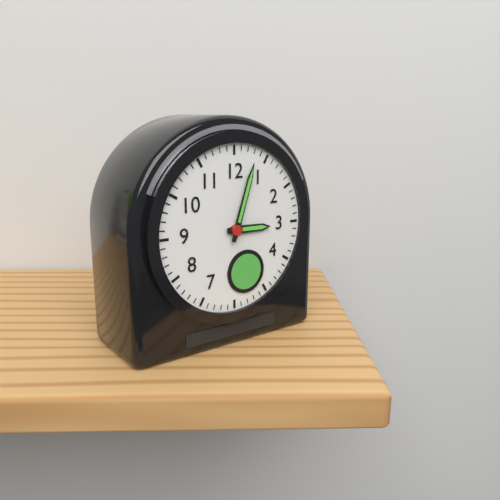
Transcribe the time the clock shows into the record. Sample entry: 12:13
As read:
3:03
